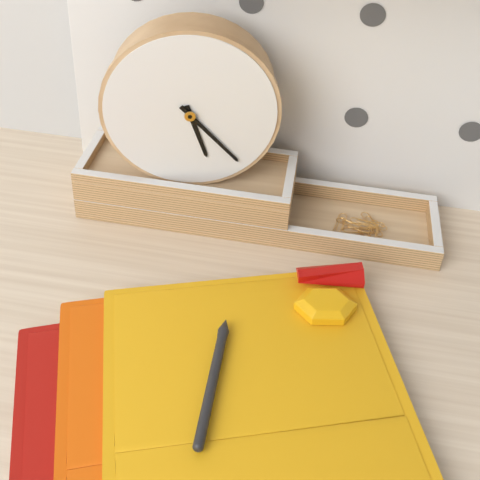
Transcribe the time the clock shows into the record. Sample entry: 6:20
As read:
5:23
